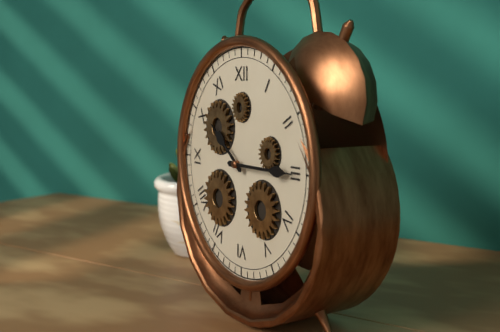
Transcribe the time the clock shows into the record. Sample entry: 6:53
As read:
10:15
